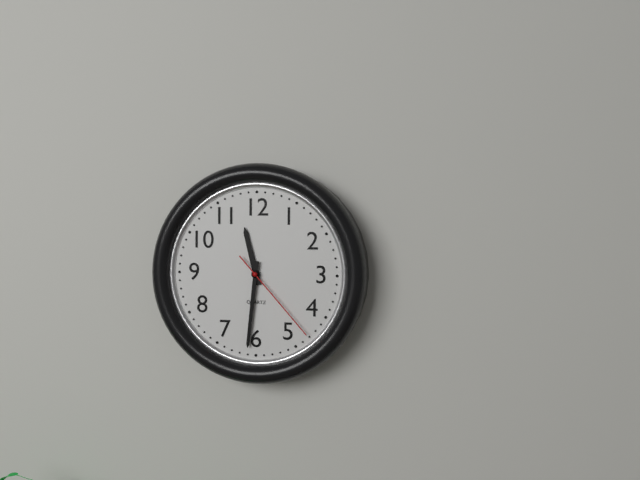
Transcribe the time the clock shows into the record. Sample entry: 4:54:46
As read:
11:31:23
